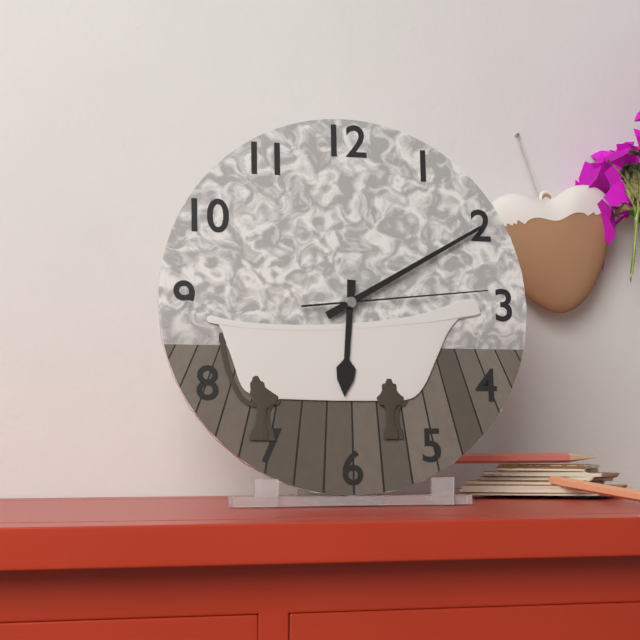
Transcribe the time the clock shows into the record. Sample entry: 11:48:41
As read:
6:10:14
